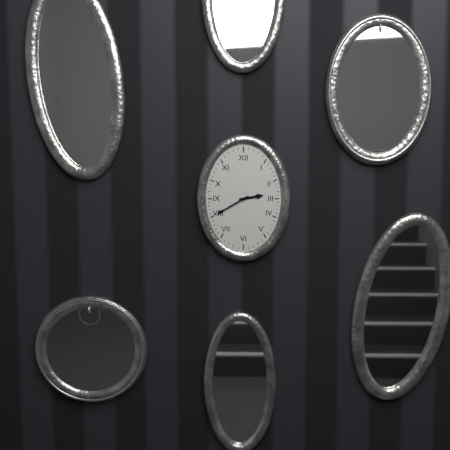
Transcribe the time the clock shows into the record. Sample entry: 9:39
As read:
2:40
